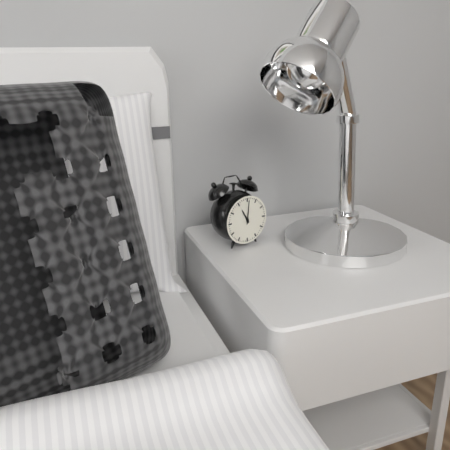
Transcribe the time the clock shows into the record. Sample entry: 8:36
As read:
11:01
